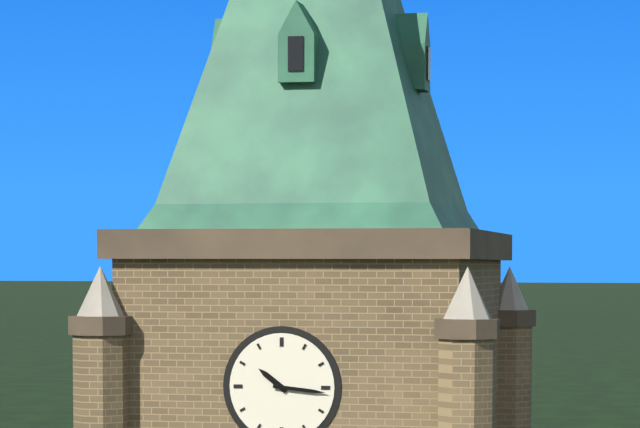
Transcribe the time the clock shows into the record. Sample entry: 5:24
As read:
10:16
